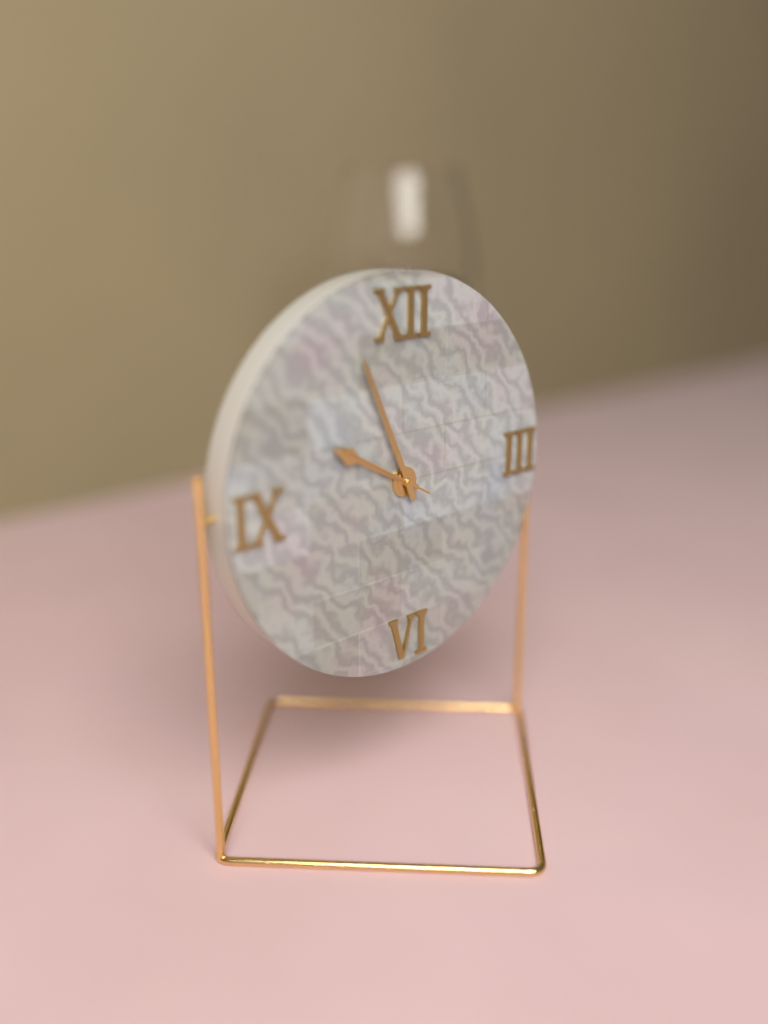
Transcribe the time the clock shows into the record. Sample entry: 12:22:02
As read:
9:56:50
